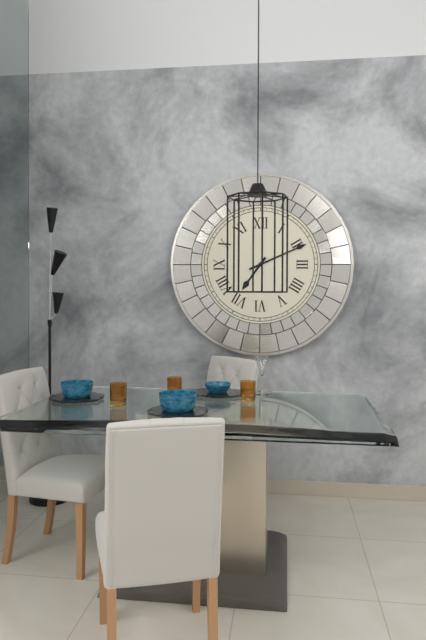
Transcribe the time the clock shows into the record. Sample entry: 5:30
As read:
7:11
